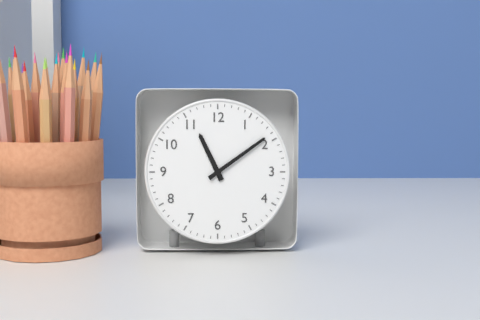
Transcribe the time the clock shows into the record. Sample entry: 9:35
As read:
11:09
